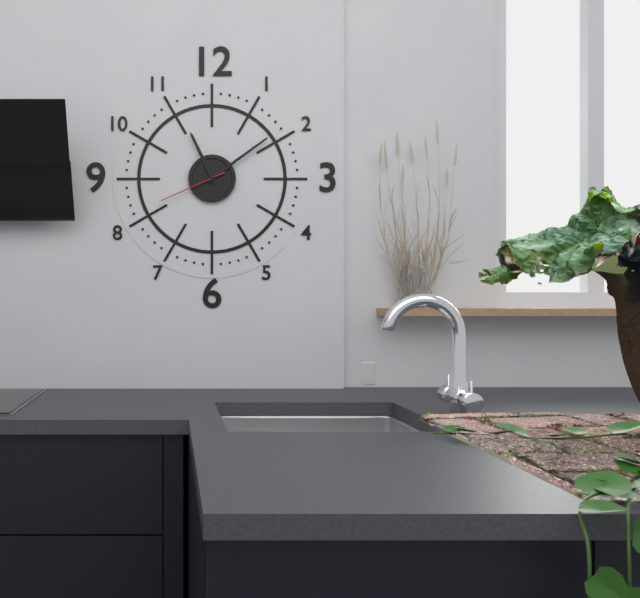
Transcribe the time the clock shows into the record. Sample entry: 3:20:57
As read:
11:09:41
